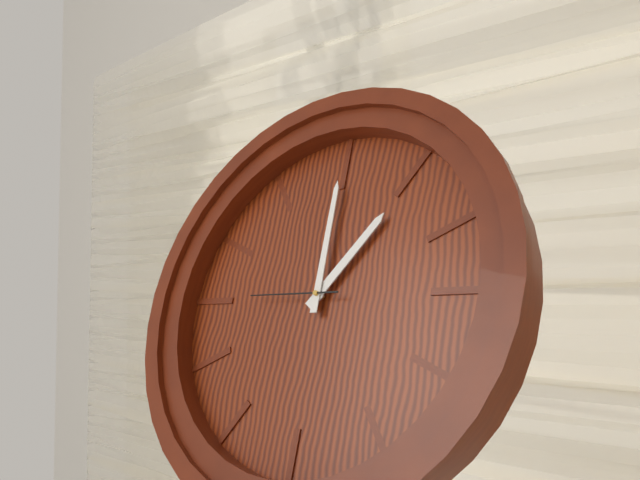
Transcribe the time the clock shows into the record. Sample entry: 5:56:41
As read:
4:15:00
